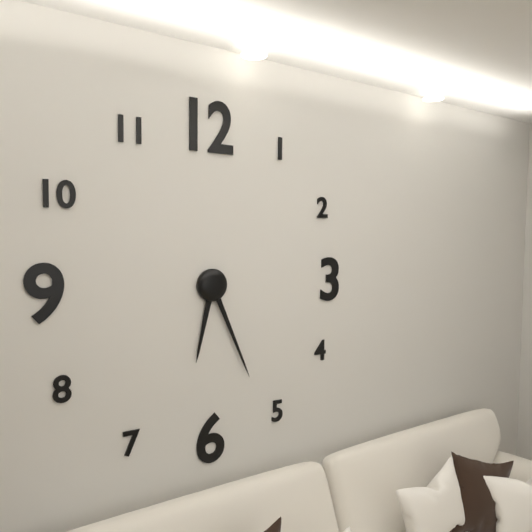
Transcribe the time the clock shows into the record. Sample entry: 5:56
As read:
6:26
